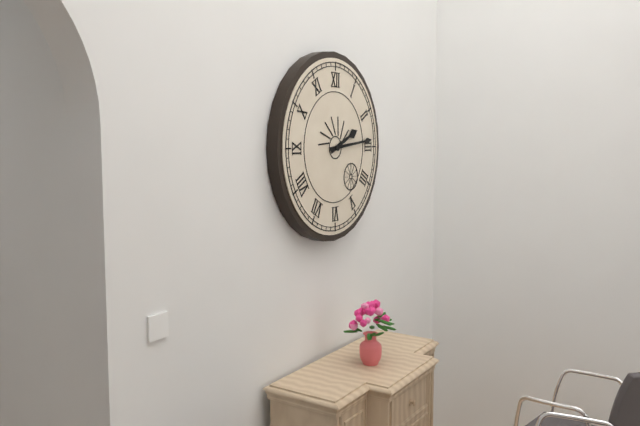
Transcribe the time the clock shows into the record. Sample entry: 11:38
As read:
2:14
